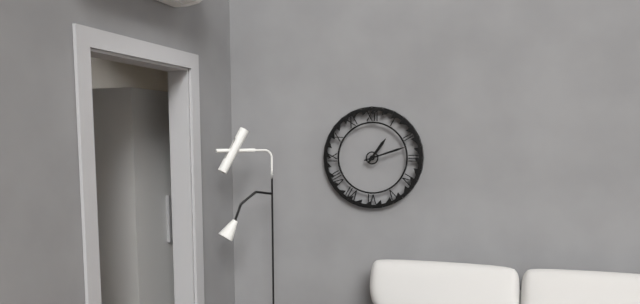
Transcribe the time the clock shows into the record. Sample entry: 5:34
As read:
1:12
